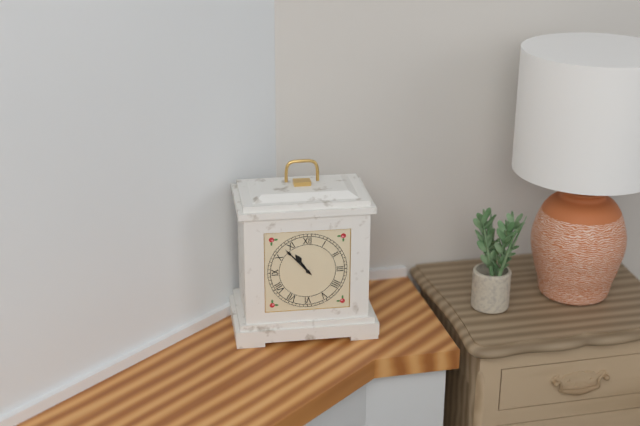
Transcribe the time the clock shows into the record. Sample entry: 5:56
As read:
10:53
